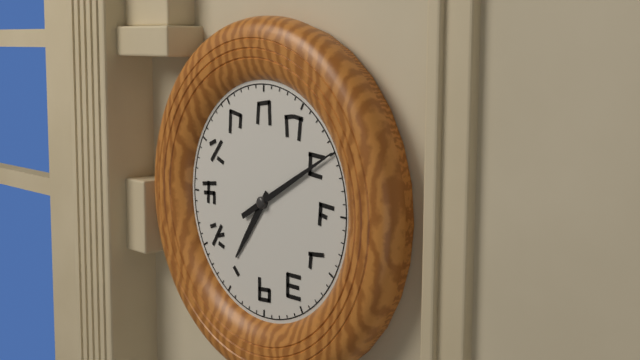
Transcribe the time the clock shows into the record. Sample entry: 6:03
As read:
7:10
